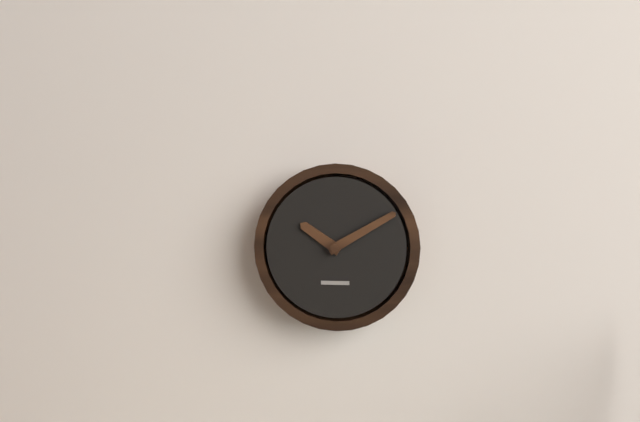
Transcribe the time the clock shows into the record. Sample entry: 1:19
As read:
10:10
